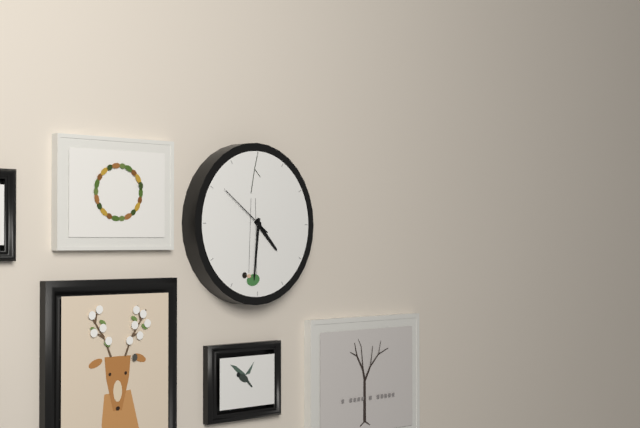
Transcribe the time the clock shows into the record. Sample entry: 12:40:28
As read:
4:31:51
